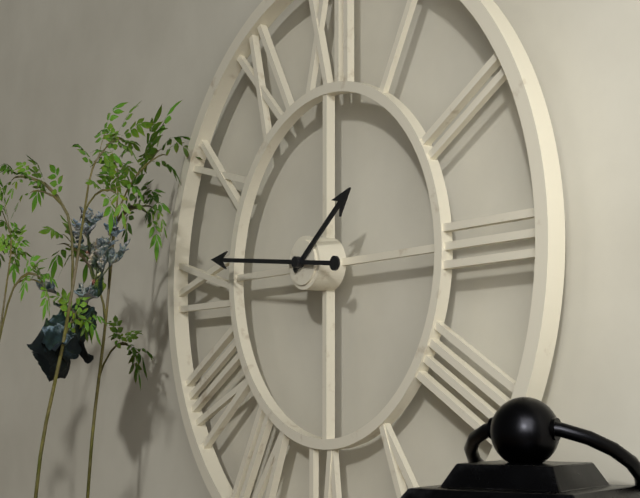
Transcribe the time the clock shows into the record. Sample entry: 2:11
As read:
1:46
